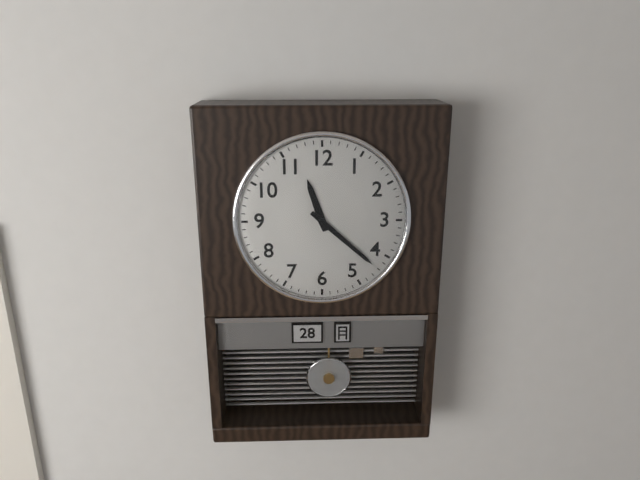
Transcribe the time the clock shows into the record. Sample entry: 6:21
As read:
11:22
